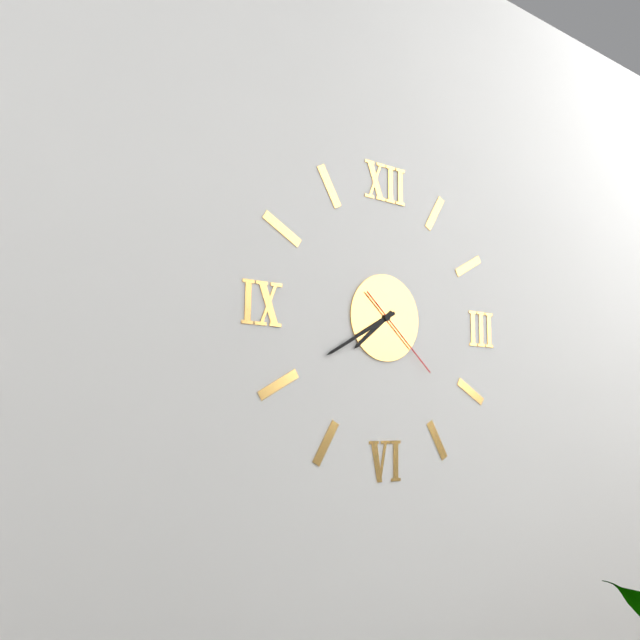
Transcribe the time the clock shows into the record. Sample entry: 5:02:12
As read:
7:40:22
